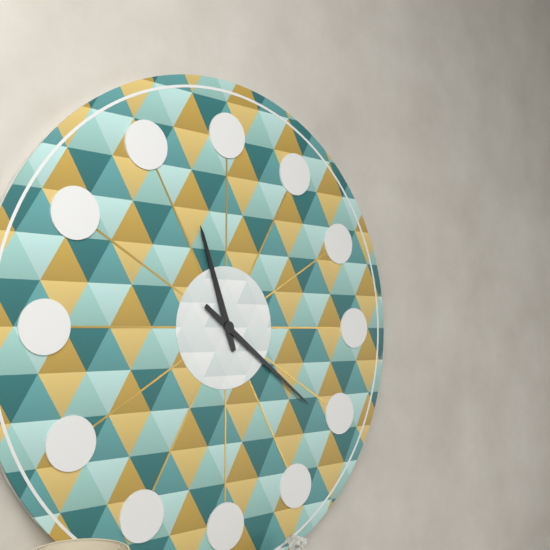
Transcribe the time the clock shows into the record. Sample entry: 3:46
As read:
11:21
